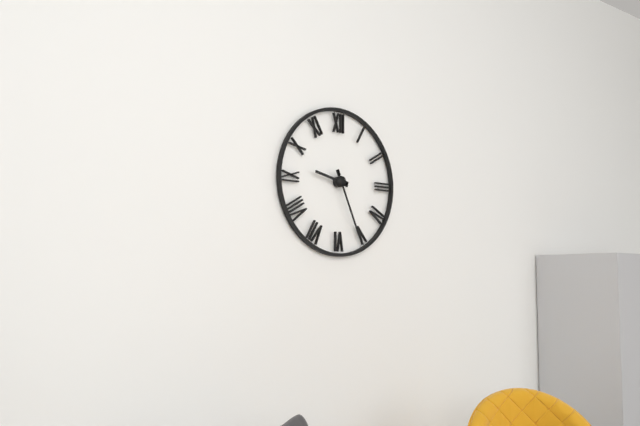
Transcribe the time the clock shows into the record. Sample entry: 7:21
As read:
9:26
